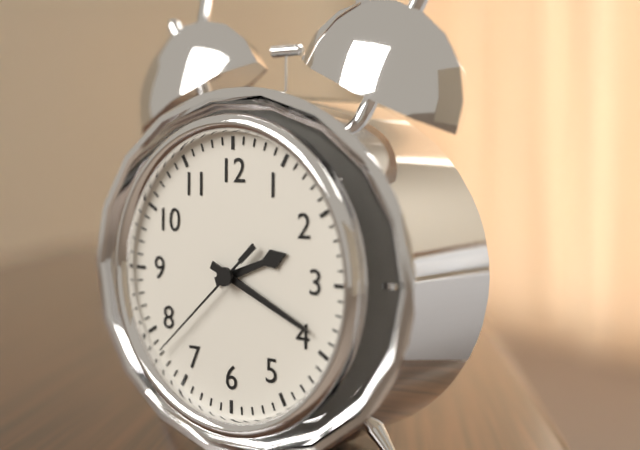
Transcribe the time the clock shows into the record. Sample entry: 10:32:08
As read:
2:19:38
